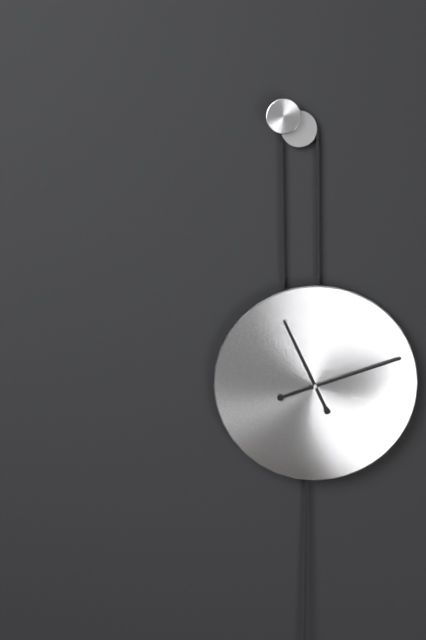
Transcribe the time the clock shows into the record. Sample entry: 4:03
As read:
11:12
